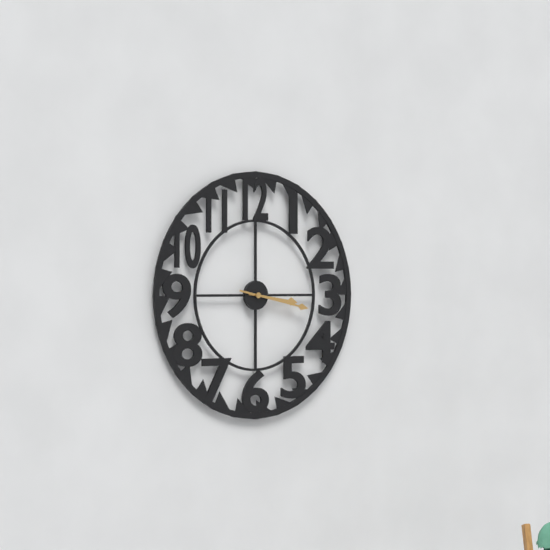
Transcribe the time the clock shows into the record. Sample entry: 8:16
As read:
3:17
